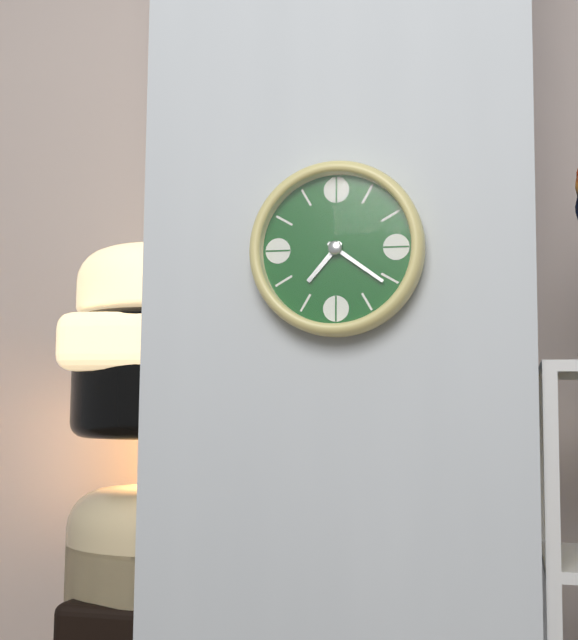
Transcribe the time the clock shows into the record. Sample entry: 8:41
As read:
7:21
